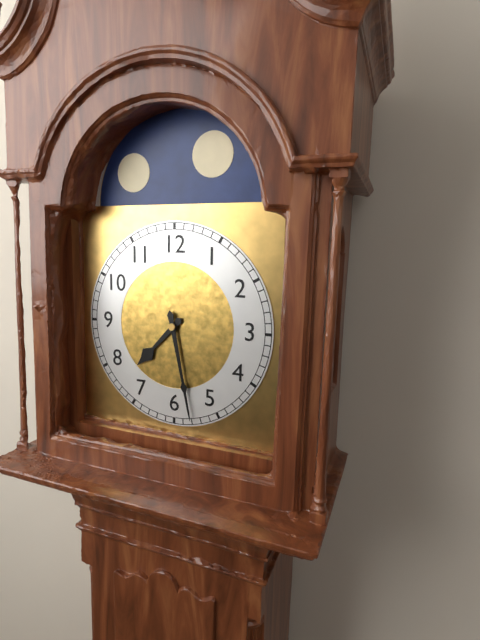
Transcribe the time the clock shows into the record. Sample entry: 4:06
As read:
7:28
